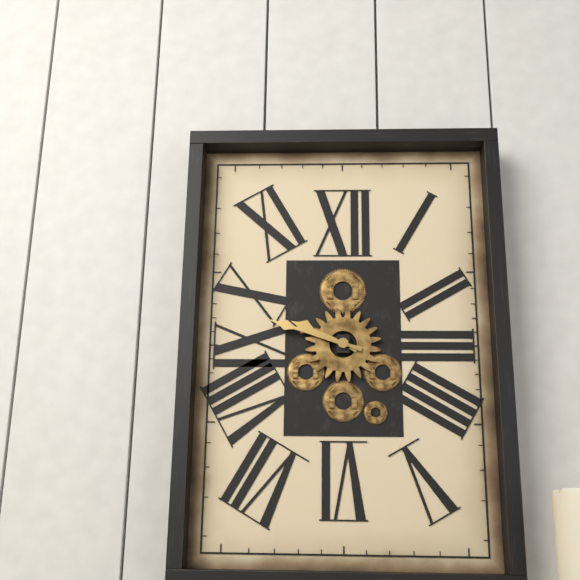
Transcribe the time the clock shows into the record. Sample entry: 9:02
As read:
9:48
